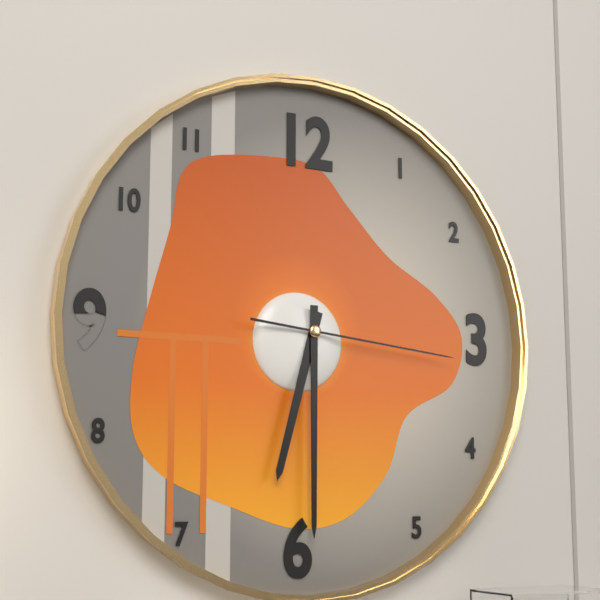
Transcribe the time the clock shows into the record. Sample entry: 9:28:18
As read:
6:30:16
